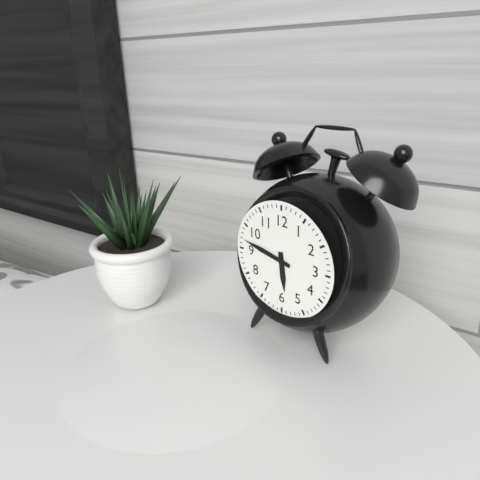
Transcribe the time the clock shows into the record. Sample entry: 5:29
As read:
5:47
